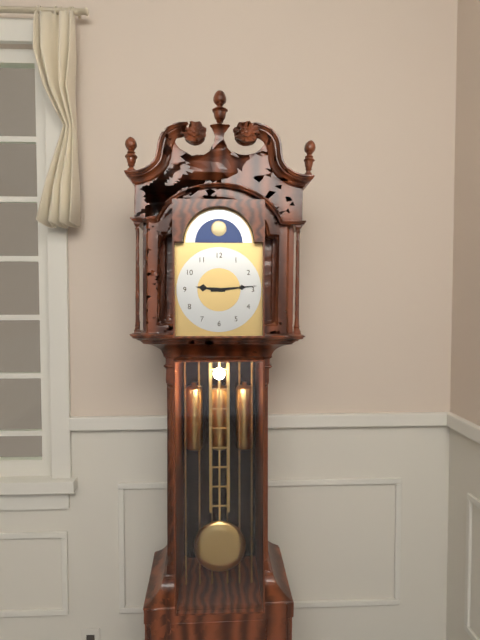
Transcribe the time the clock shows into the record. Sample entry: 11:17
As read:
9:14
